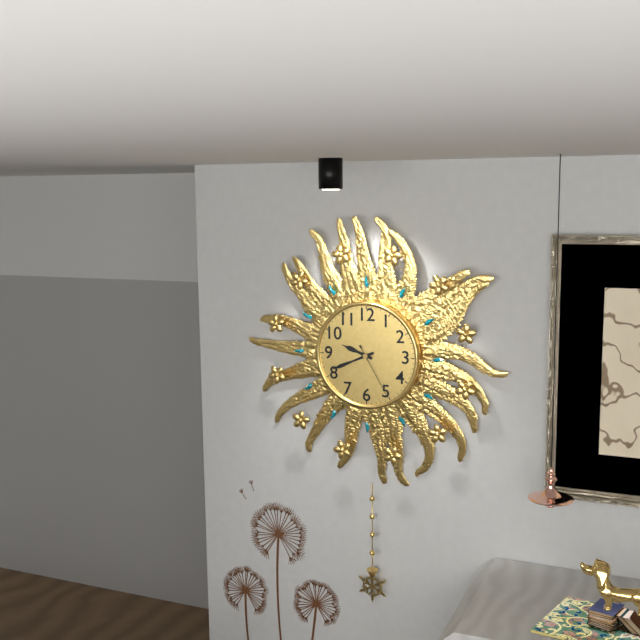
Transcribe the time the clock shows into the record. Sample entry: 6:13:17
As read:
9:41:25
